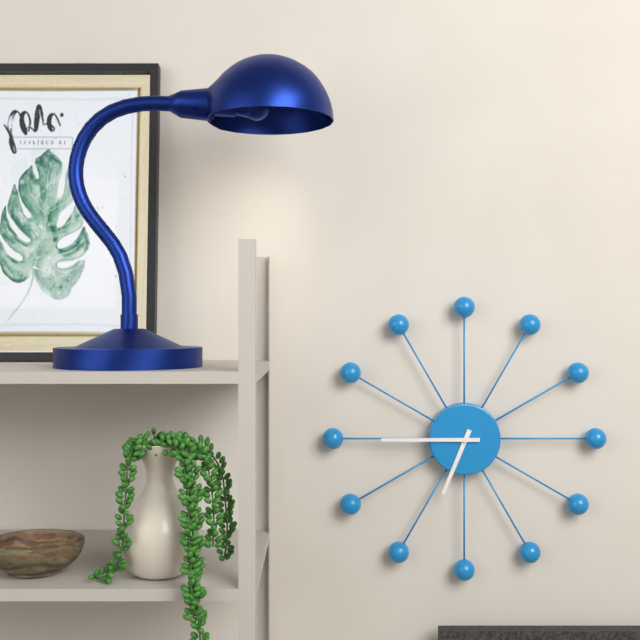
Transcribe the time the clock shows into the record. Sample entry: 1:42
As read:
6:45
